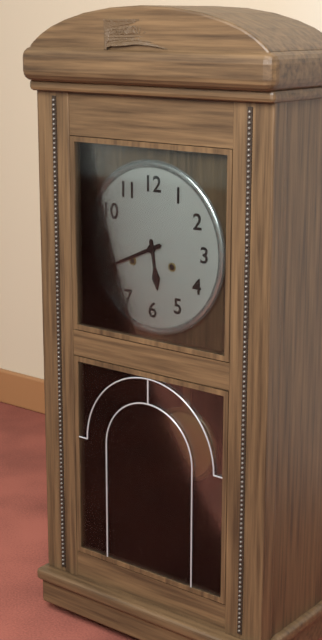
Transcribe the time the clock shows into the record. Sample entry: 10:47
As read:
5:41
